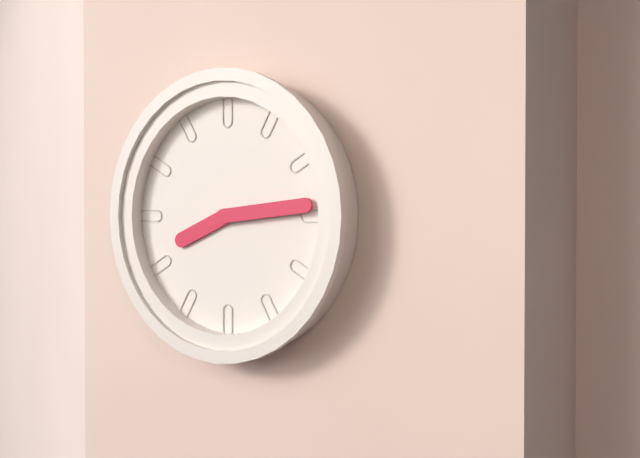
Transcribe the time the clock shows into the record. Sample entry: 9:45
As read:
8:14
